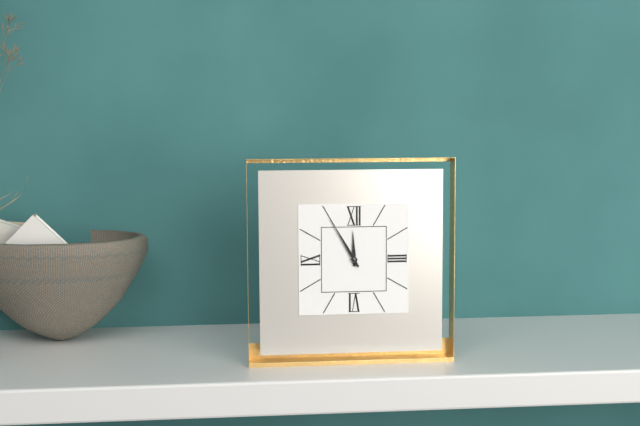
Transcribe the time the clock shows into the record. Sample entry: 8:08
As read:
11:55
